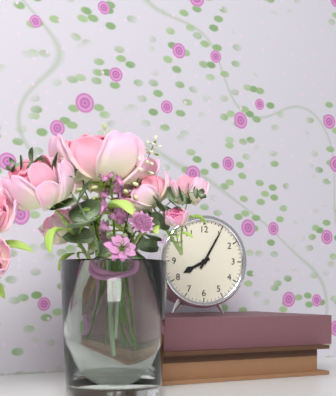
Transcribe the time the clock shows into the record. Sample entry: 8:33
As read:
8:05
